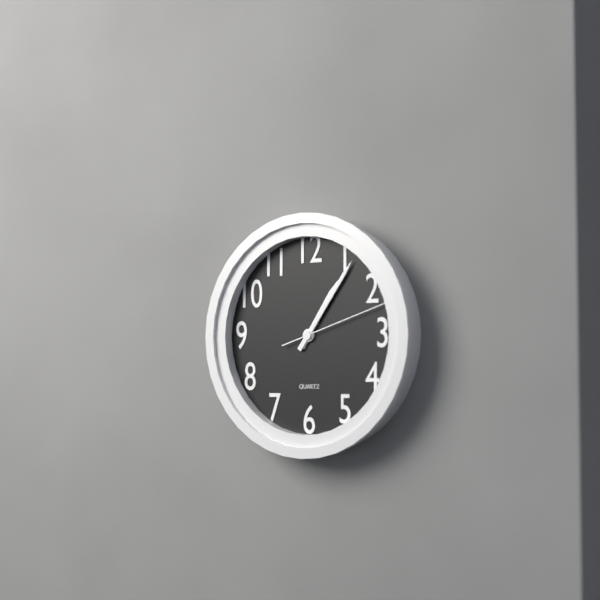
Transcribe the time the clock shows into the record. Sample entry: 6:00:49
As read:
1:06:12
